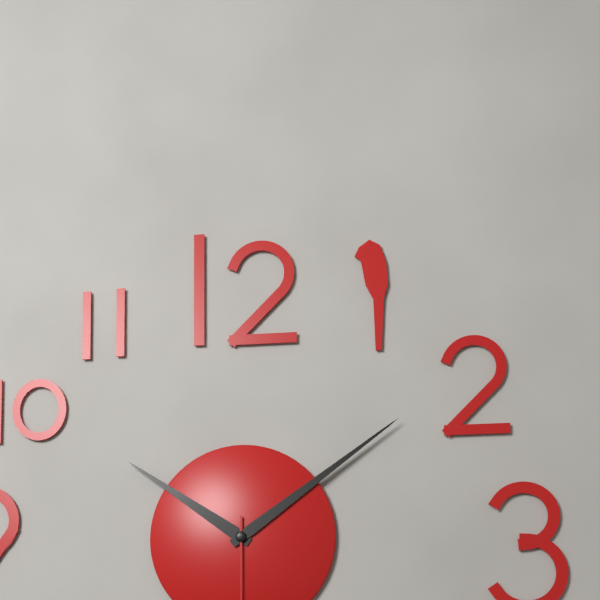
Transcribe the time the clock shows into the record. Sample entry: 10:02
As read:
10:09
